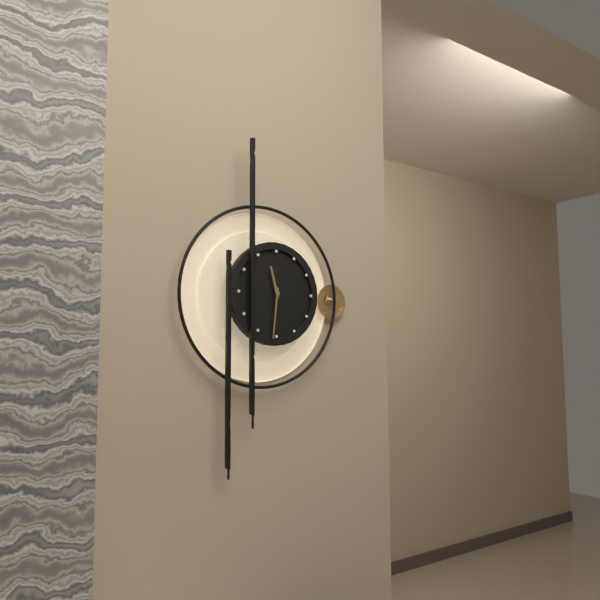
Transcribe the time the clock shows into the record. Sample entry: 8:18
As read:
11:31
